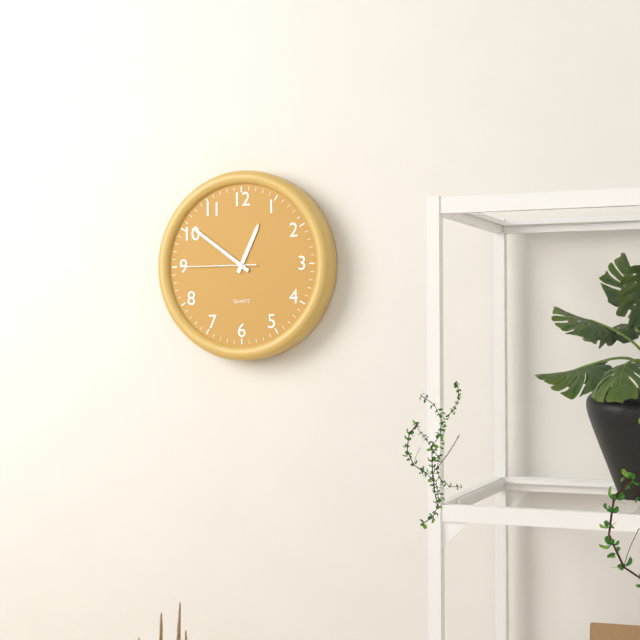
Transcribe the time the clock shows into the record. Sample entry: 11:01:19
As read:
12:51:45
